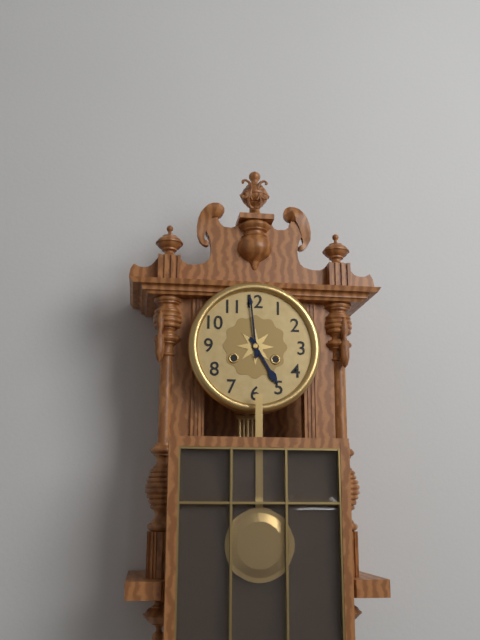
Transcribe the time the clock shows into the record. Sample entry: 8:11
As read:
4:59
